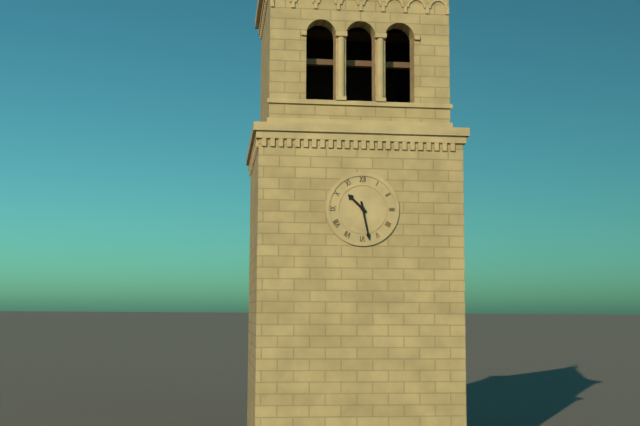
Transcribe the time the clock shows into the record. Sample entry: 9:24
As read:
10:28
